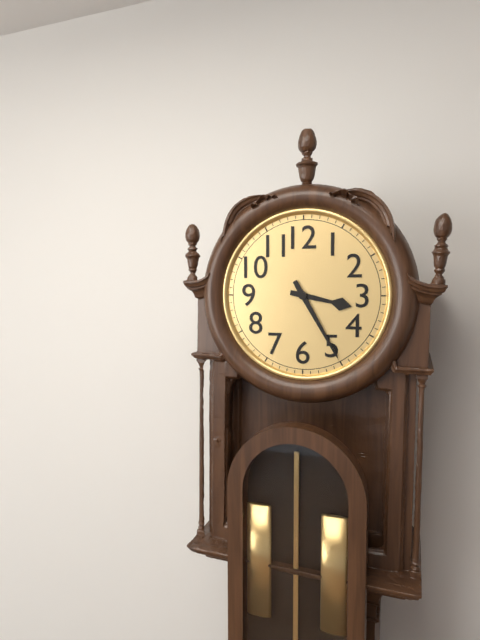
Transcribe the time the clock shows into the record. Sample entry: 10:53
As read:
3:25
